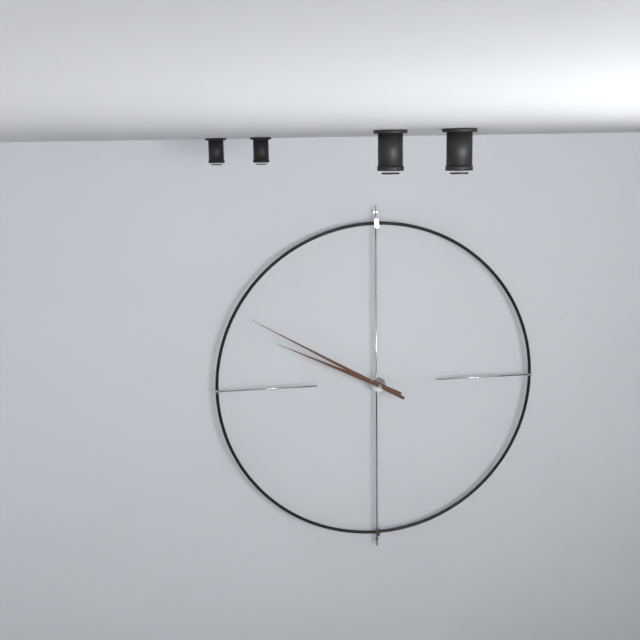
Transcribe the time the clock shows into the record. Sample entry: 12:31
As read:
9:50
